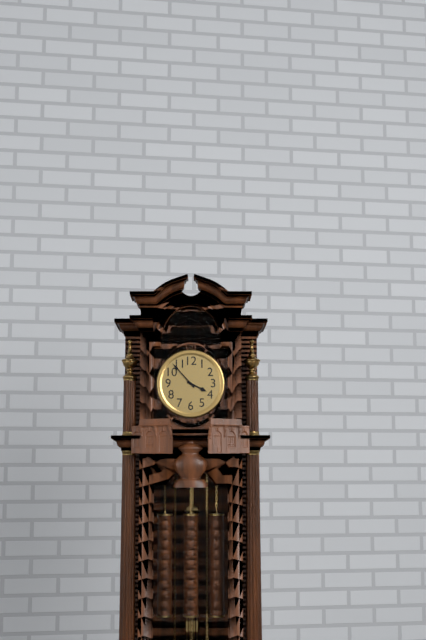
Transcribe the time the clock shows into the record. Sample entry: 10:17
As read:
3:53
